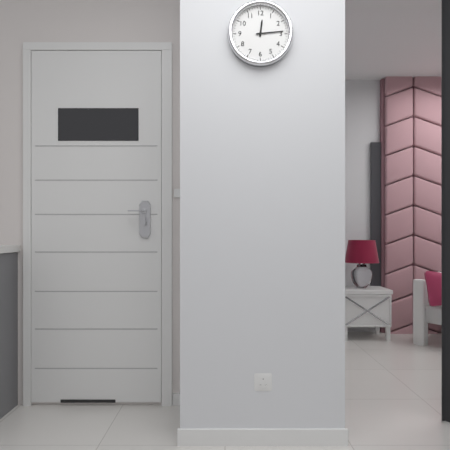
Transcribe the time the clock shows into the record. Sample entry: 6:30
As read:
12:14
